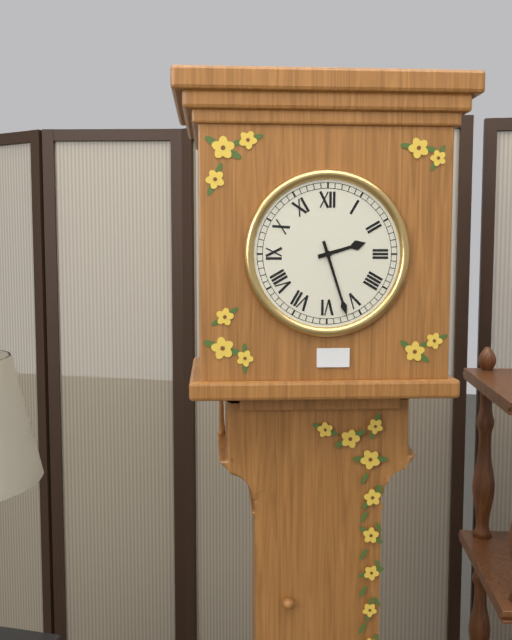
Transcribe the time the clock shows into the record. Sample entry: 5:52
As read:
2:27
